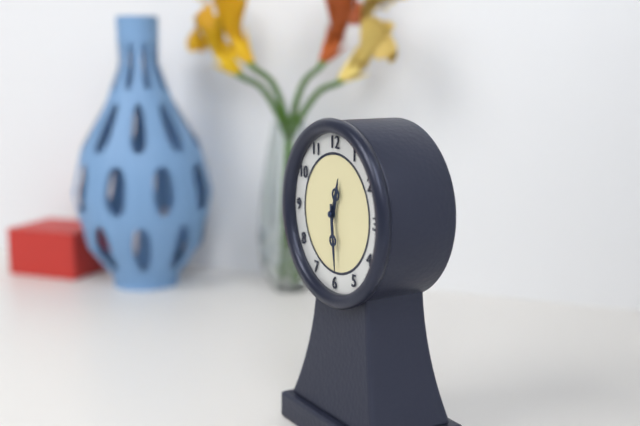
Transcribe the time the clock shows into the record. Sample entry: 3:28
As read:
12:29
